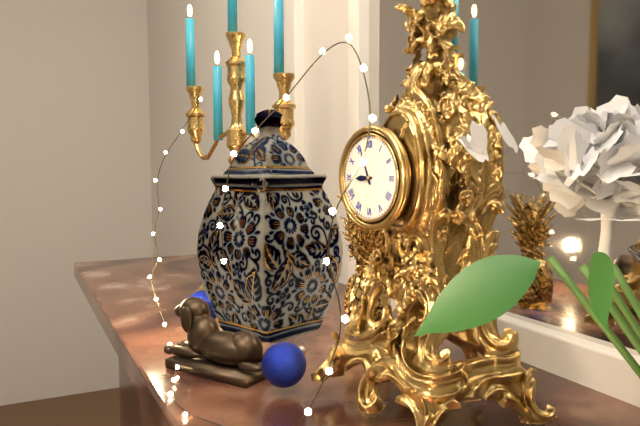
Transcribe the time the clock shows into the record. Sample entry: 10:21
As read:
8:56
